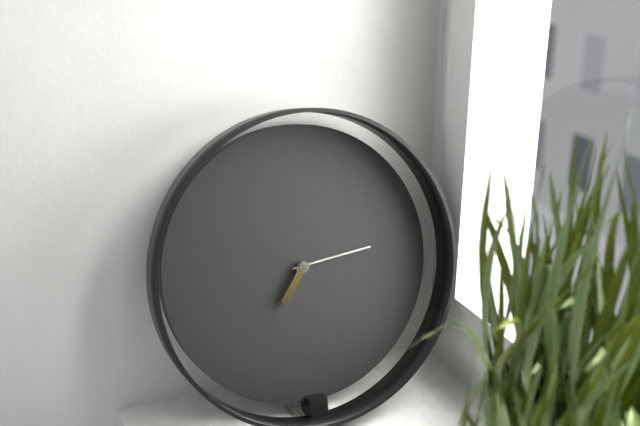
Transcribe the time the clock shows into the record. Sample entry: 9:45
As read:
7:14
